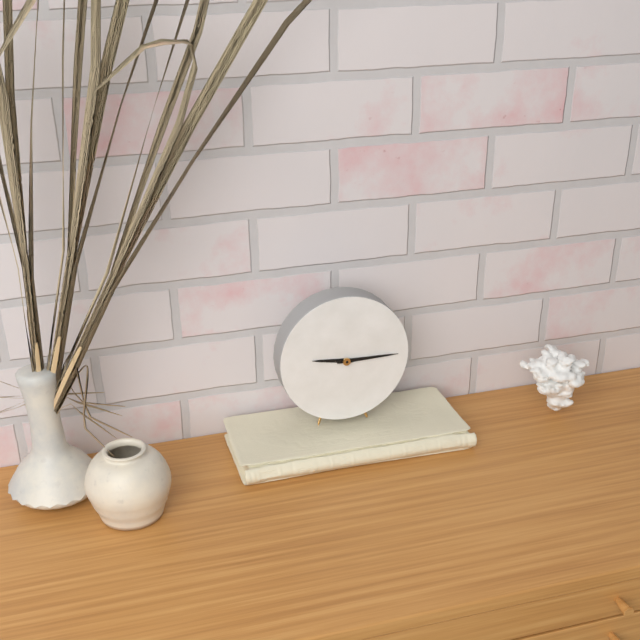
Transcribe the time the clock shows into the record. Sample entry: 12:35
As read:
9:15
